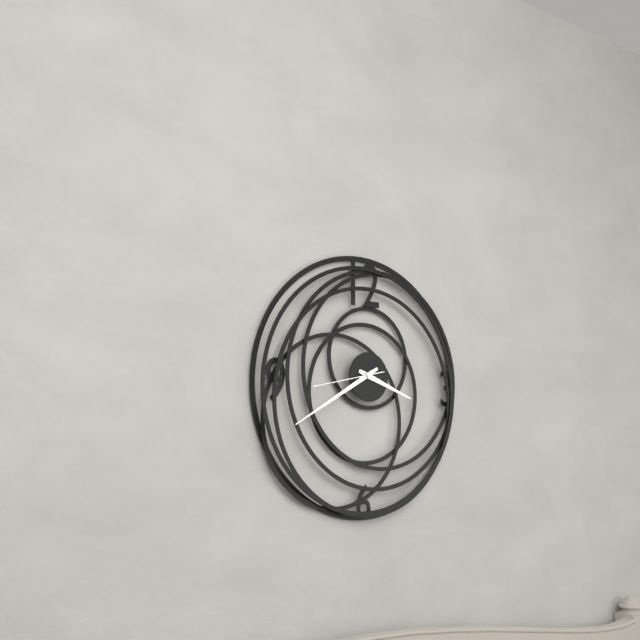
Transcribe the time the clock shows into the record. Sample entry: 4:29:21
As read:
3:40:43
